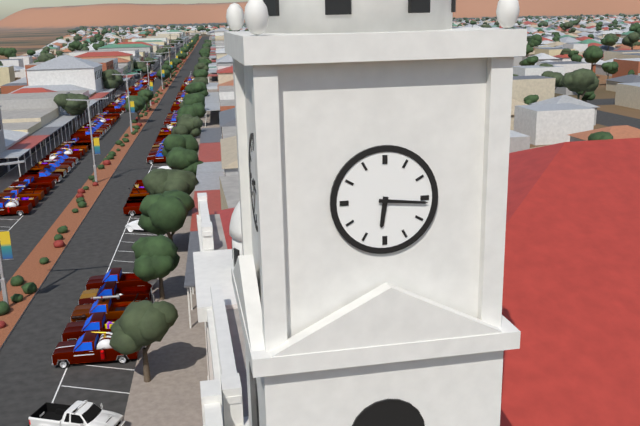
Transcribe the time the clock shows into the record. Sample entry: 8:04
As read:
6:16
